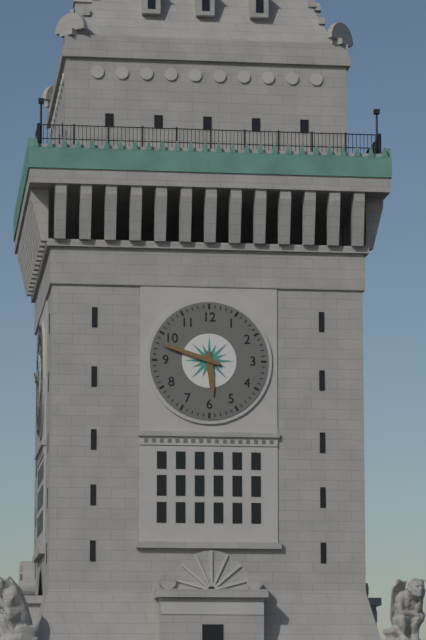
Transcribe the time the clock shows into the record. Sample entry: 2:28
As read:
5:48
